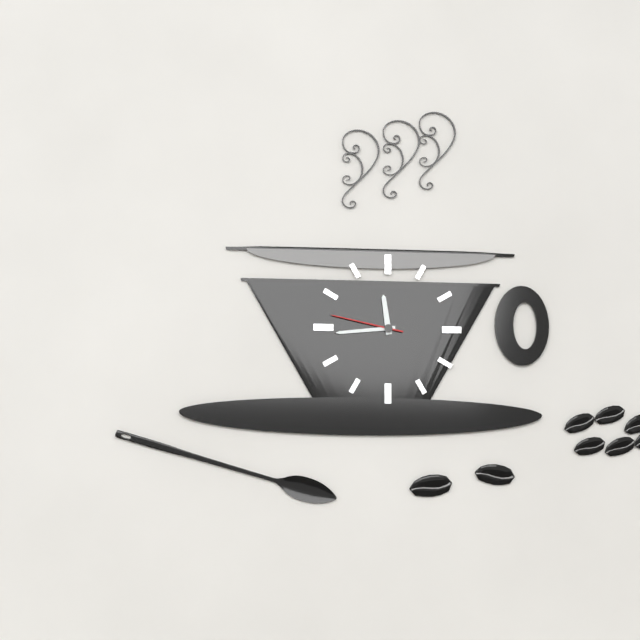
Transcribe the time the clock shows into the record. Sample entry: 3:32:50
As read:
11:44:47
